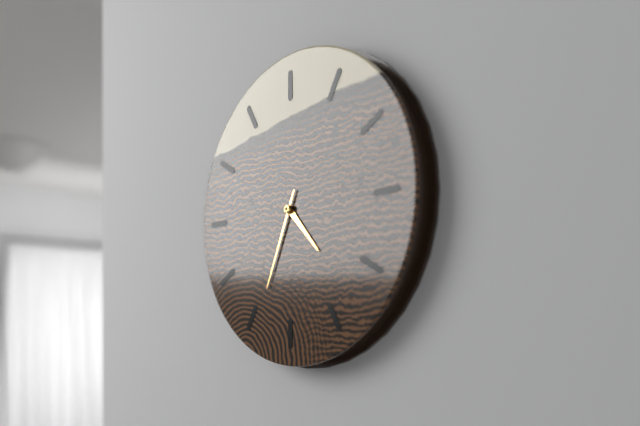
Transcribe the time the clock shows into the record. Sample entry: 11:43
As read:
4:34
